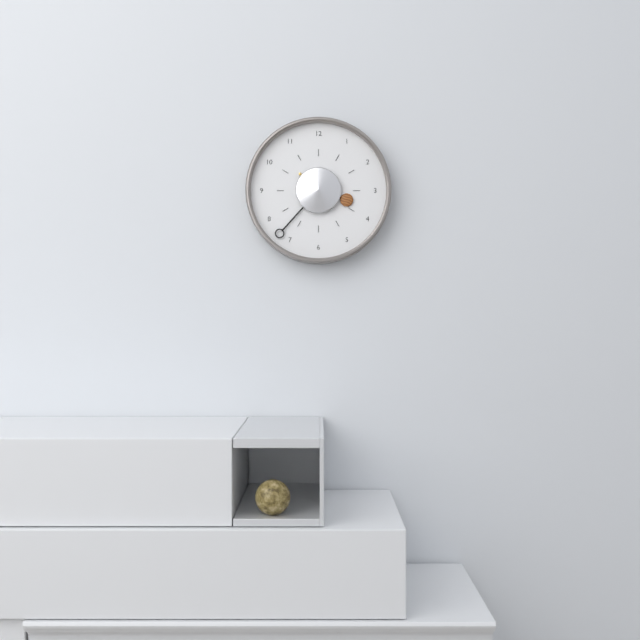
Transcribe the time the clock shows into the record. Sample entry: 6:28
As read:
3:37
